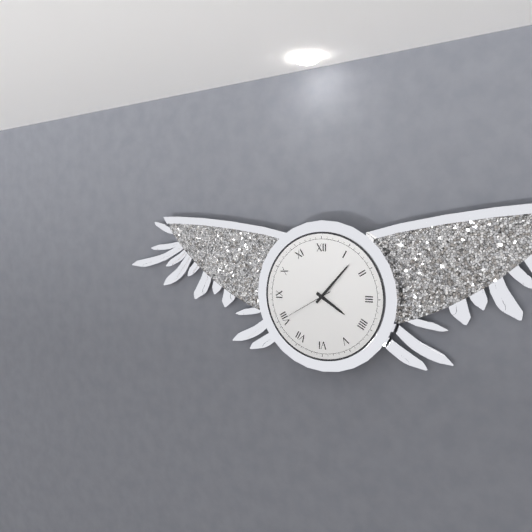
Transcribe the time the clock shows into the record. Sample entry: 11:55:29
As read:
4:07:40
